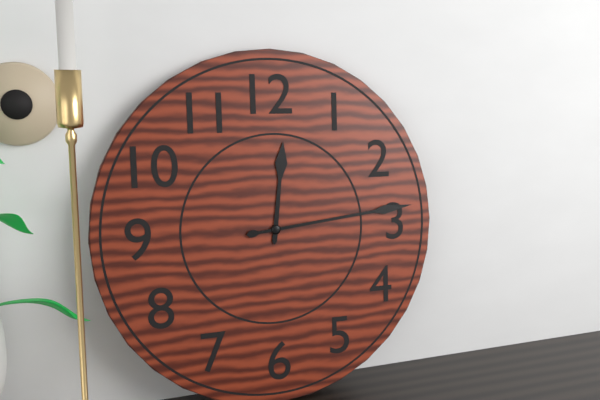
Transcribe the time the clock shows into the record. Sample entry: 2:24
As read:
12:14
